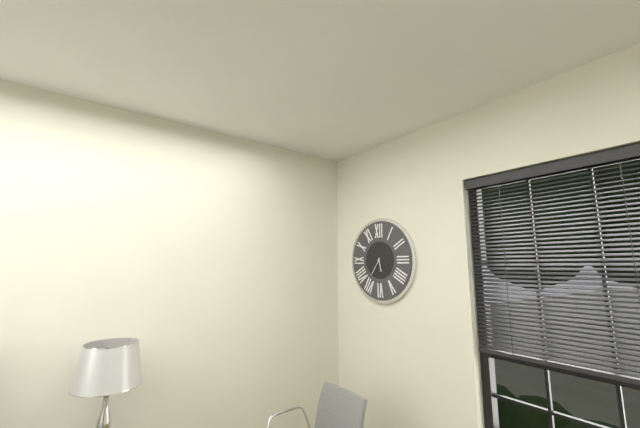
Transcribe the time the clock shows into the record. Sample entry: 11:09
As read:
5:36
